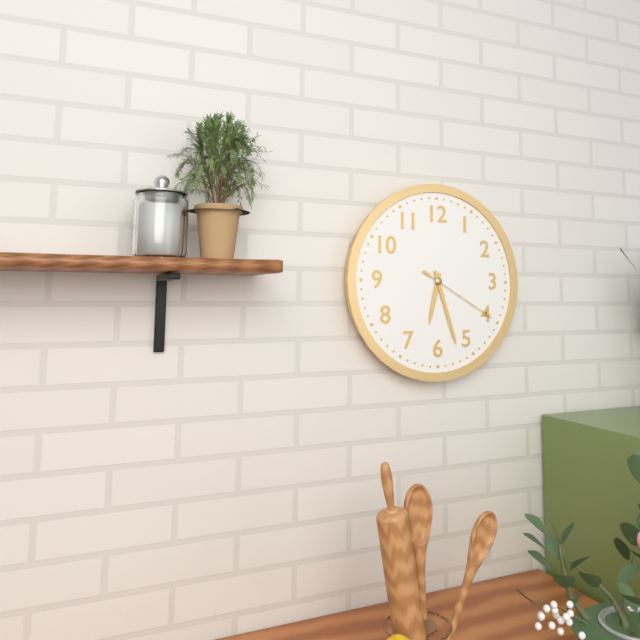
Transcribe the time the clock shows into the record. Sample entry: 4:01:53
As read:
6:27:20
